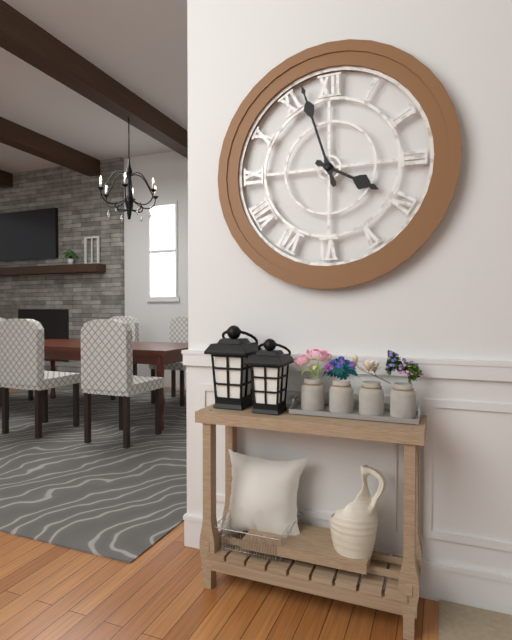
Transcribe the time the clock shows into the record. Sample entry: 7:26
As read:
3:57
